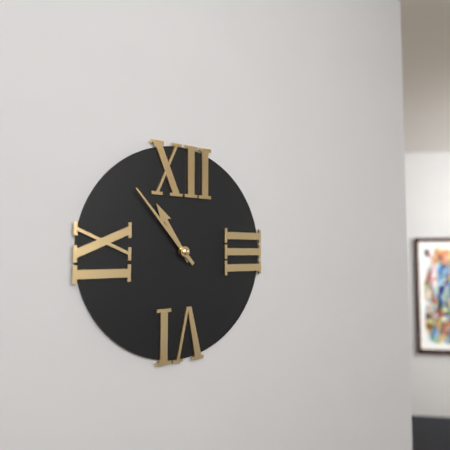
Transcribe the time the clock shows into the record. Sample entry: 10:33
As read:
10:53
